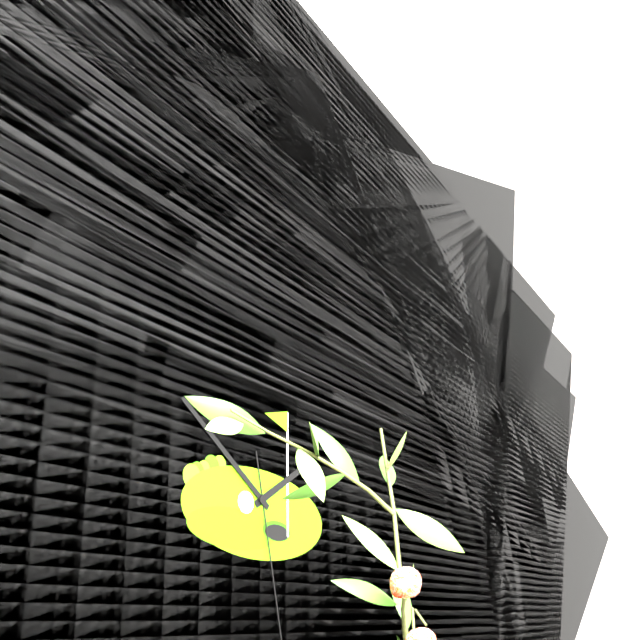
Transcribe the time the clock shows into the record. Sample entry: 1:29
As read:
1:51
